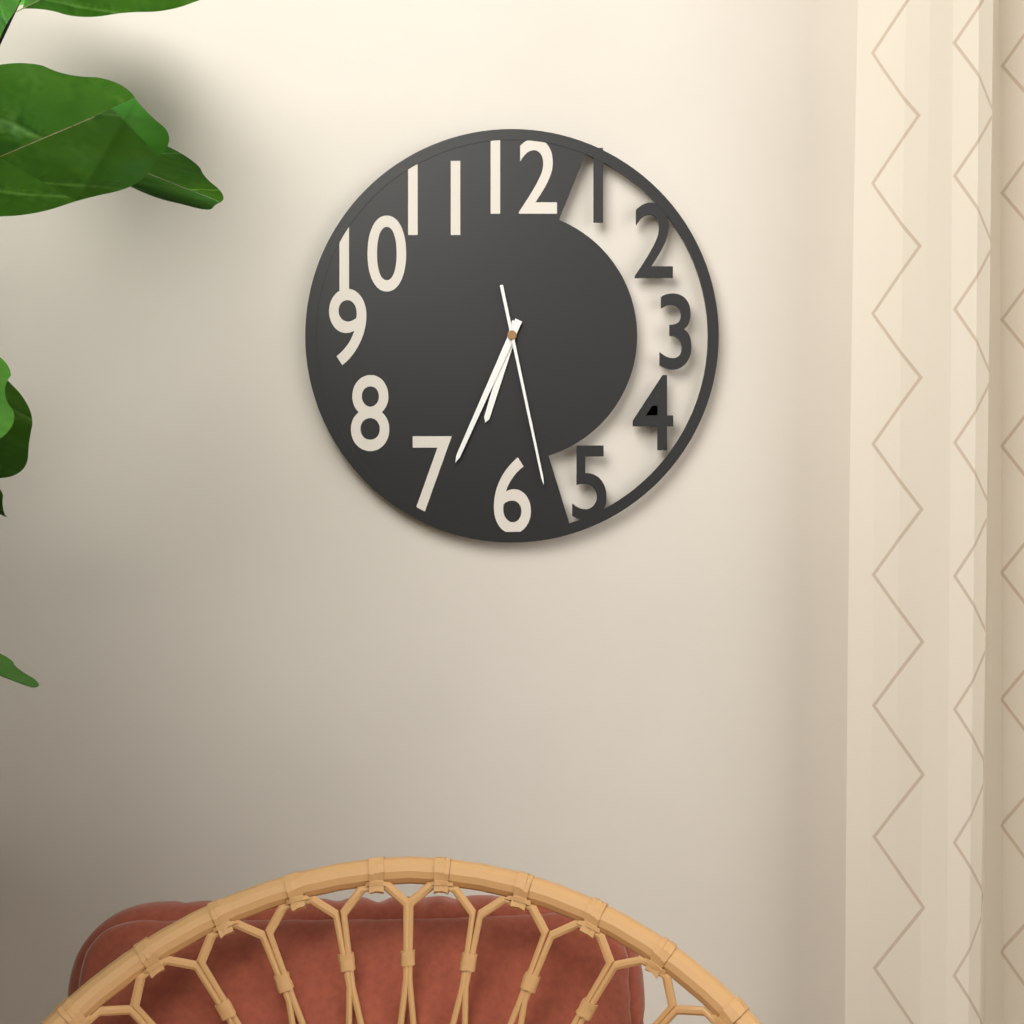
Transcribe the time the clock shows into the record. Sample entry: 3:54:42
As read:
6:34:28
